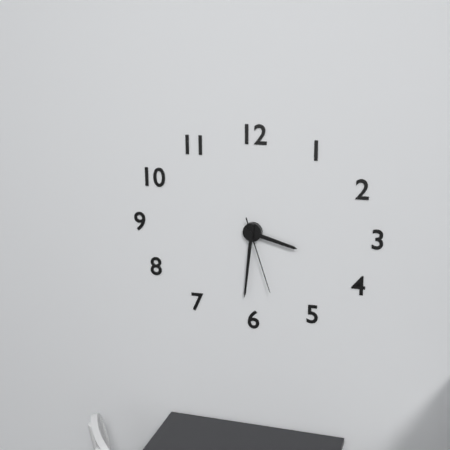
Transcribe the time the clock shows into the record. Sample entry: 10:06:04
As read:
3:31:27
